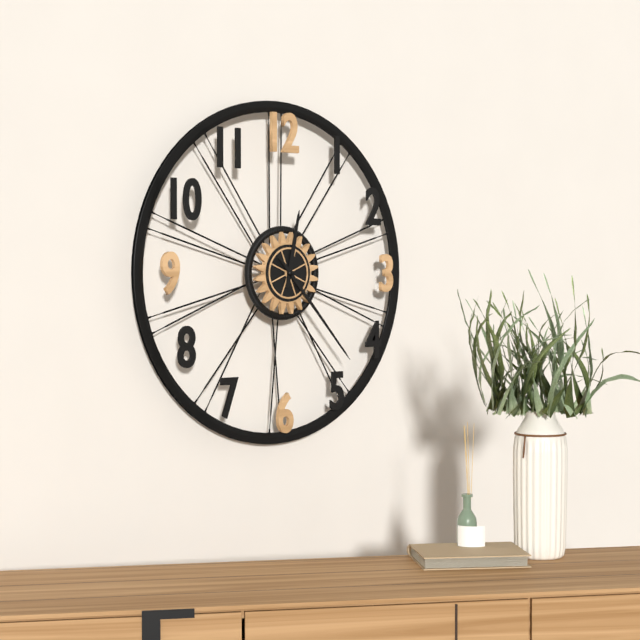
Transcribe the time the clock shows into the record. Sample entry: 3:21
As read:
12:23
